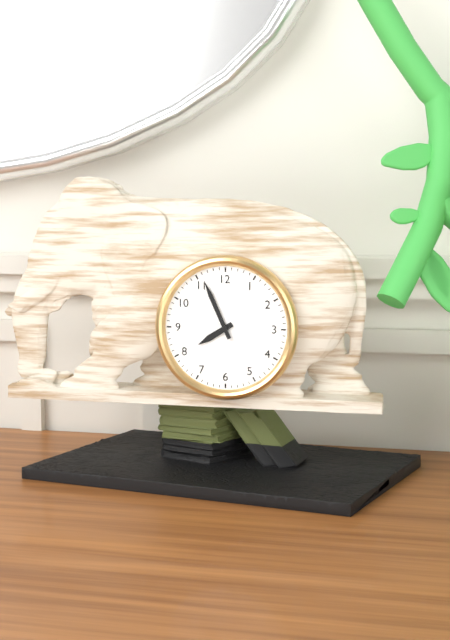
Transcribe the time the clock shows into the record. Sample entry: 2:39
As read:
7:56
